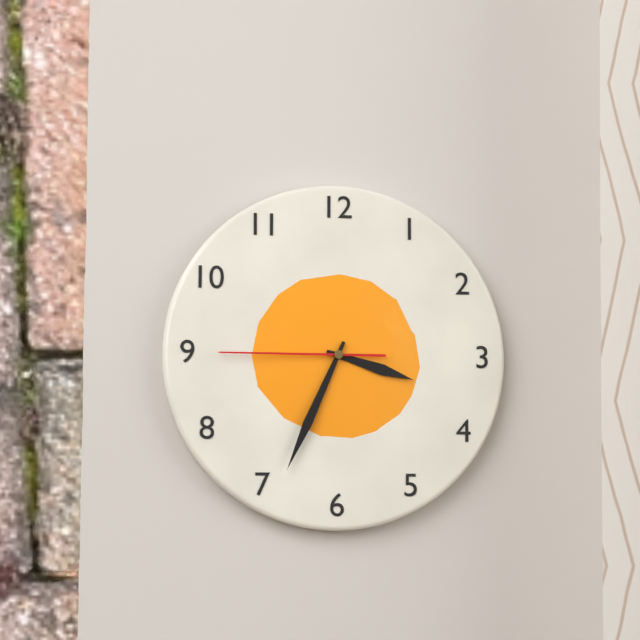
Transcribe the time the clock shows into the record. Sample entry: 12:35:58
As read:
3:34:45
